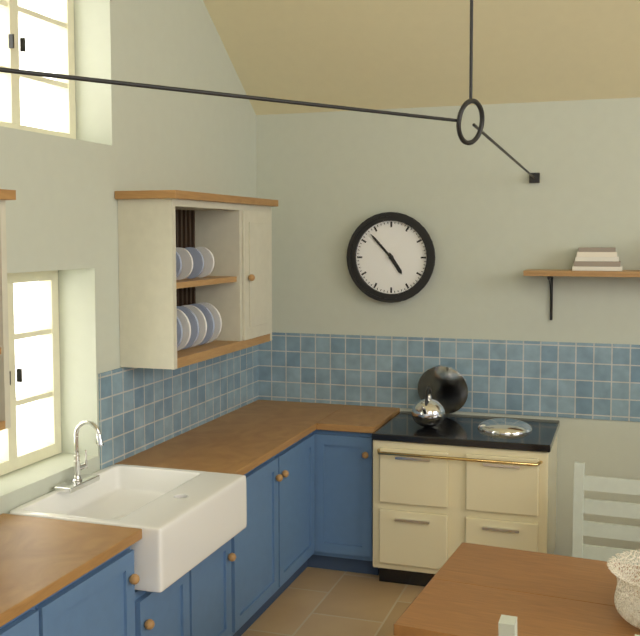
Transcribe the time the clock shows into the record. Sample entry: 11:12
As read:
4:53
